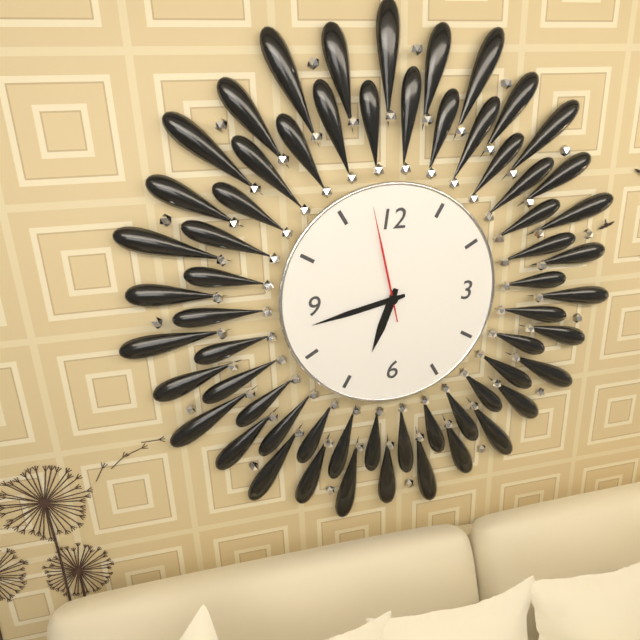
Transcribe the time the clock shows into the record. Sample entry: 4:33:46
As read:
6:43:58
